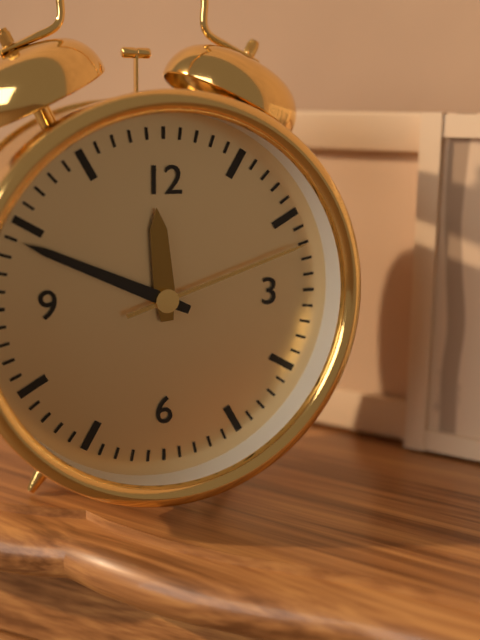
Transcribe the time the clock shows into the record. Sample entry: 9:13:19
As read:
11:49:12
